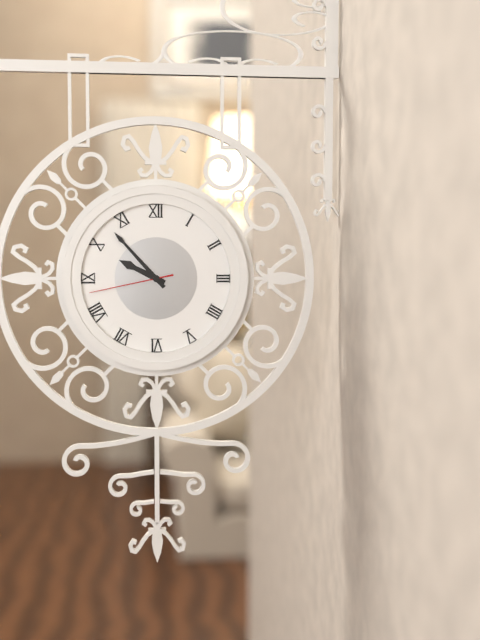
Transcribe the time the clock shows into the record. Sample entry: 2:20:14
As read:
9:53:43
